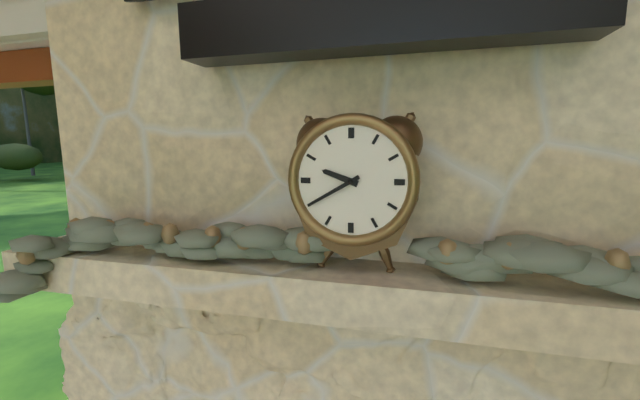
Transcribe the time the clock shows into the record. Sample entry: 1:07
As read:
9:40
